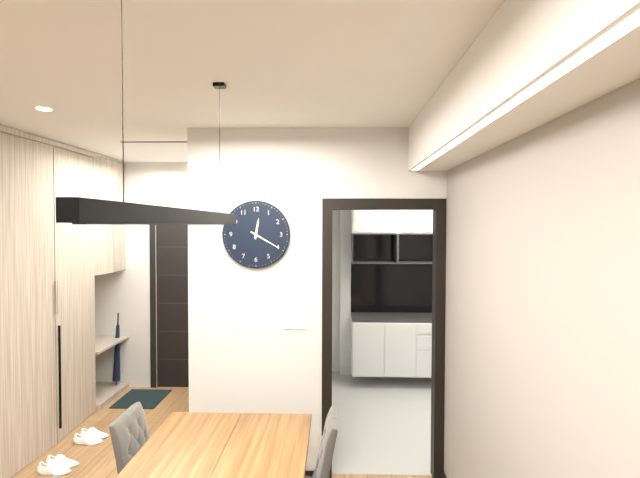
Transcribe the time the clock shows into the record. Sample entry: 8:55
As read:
12:20
